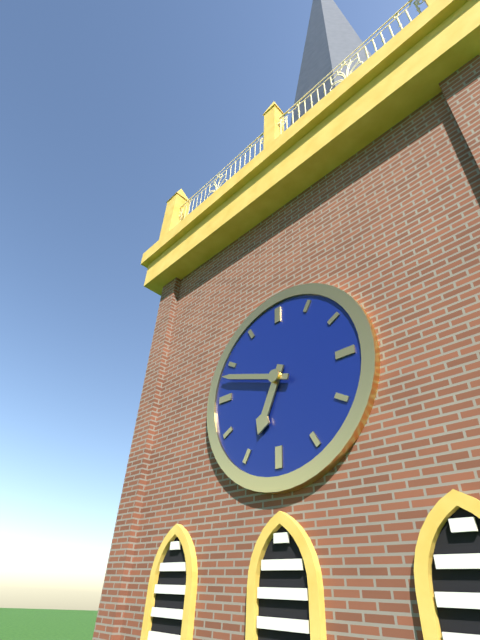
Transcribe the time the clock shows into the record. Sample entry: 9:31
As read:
6:48
